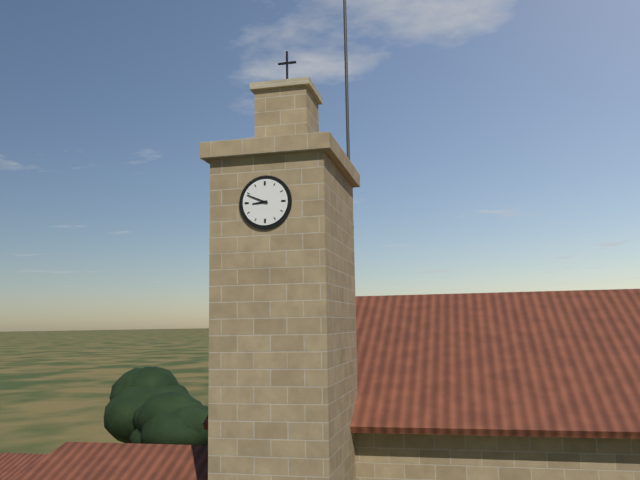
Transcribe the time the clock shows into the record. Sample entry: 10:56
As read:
8:49
